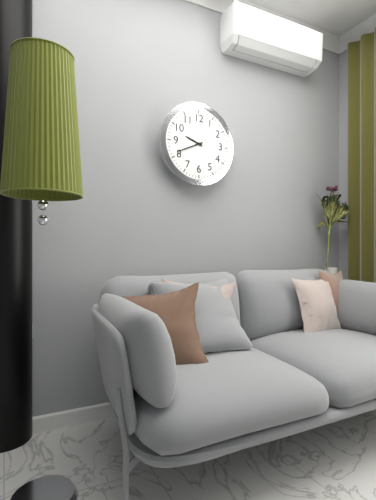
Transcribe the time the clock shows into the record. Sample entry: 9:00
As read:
9:41
